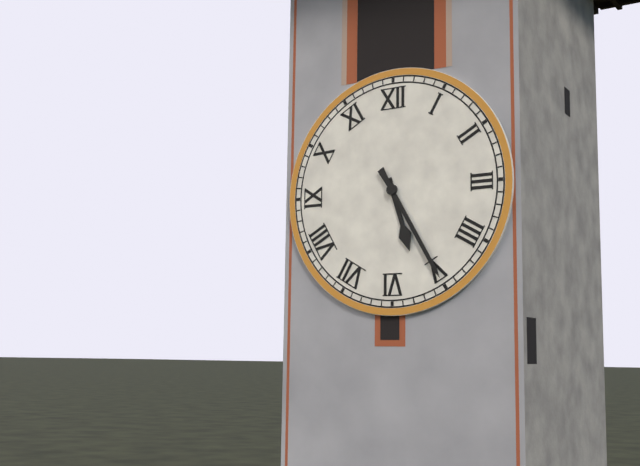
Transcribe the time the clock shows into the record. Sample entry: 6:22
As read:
5:25
